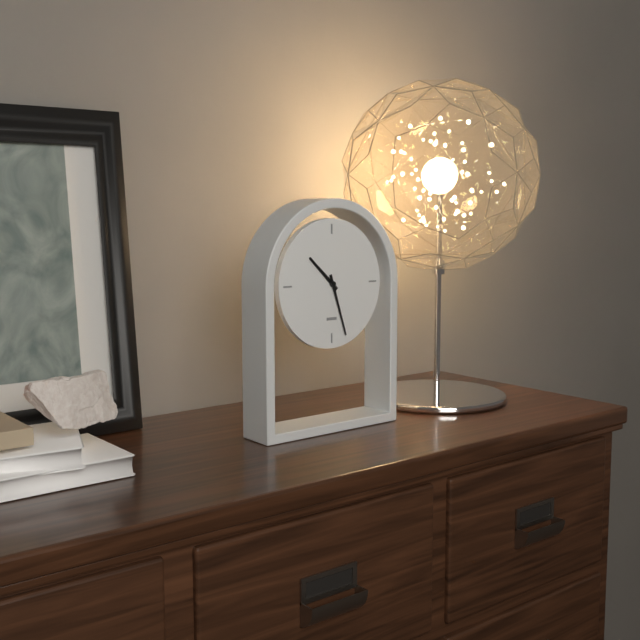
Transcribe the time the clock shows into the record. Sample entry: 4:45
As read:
10:27
